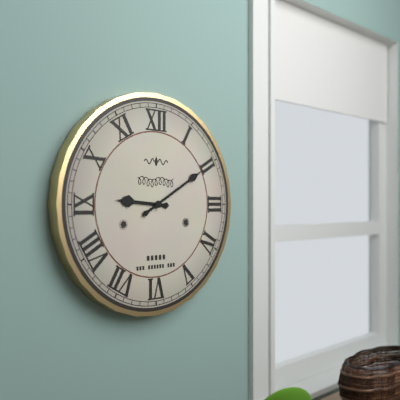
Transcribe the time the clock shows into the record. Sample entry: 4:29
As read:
9:10
